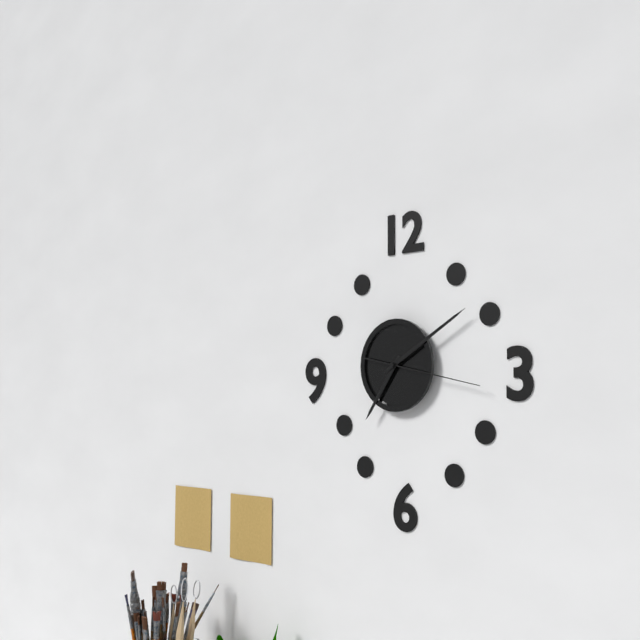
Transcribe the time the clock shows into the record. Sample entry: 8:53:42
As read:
7:10:17
